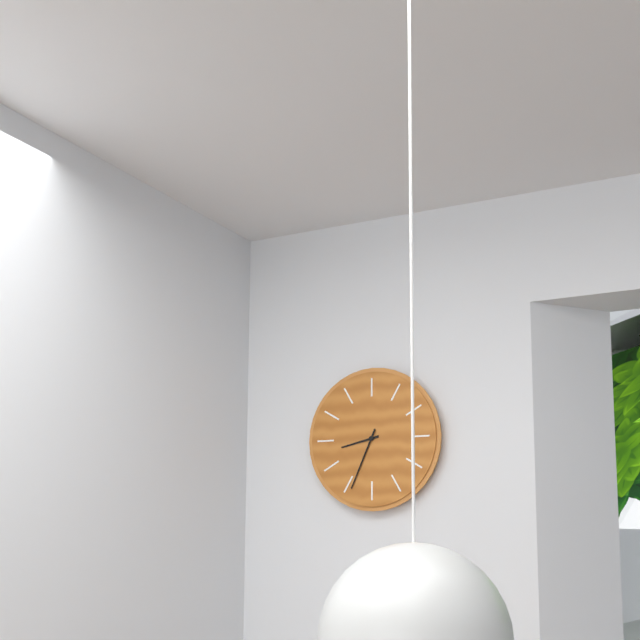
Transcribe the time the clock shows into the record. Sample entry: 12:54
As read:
8:34
